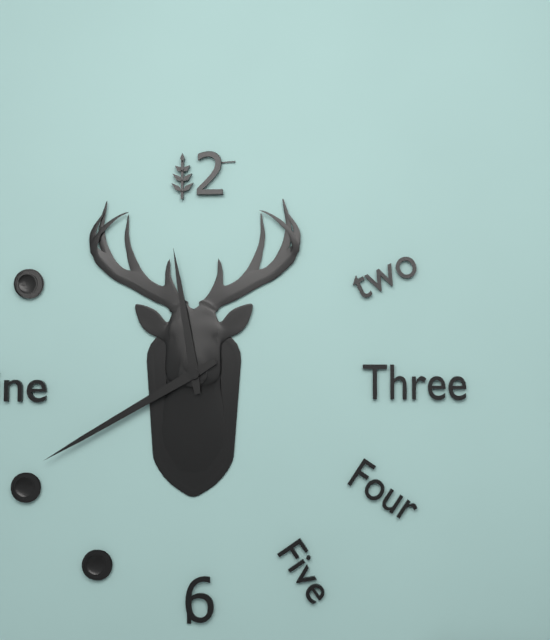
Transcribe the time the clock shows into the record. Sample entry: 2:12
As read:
11:40
